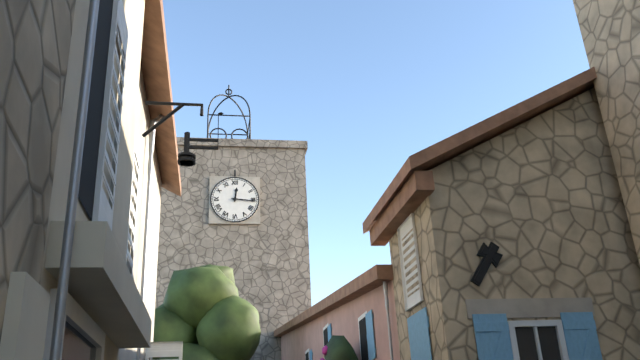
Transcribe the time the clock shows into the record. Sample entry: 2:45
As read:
12:16
